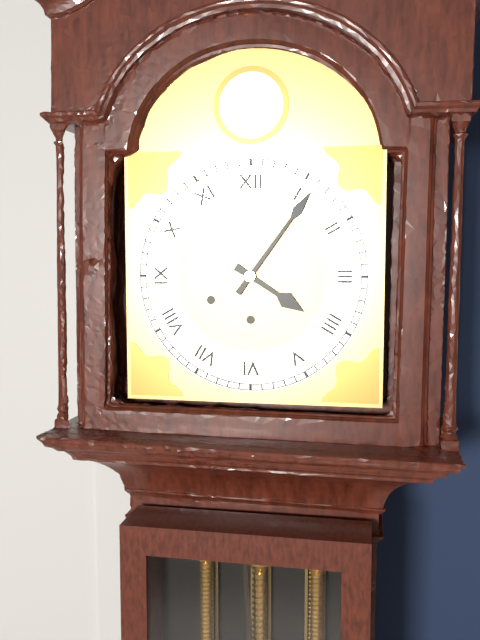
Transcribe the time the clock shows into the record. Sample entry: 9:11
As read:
4:06
